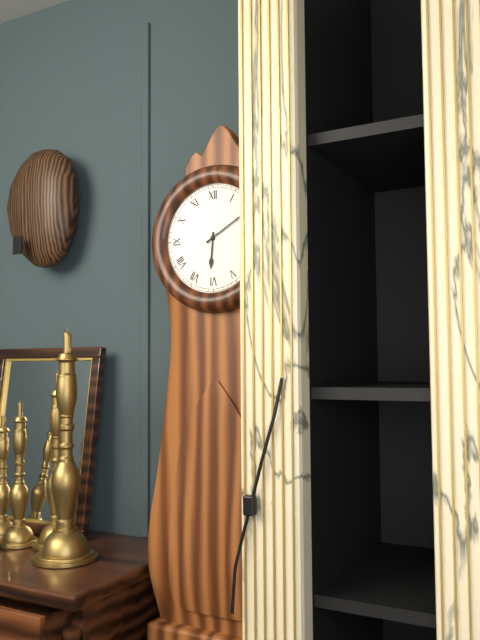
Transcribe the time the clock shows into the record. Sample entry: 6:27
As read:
6:10
